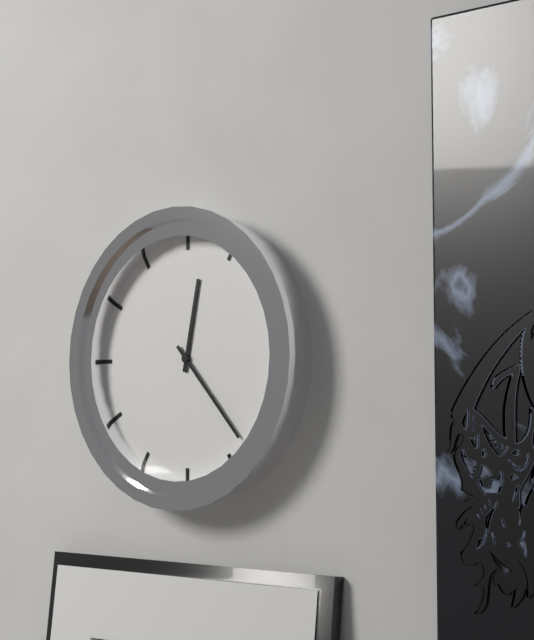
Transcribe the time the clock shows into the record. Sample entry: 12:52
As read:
12:23
